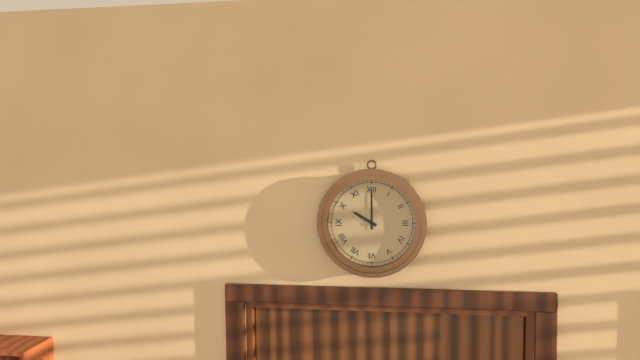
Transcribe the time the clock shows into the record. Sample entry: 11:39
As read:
10:00
